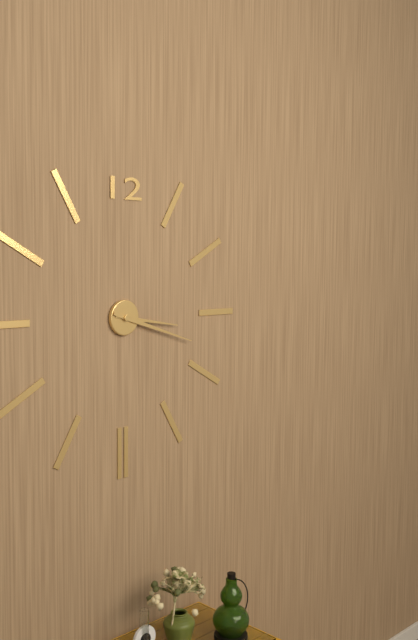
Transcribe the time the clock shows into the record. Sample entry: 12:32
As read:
3:18
